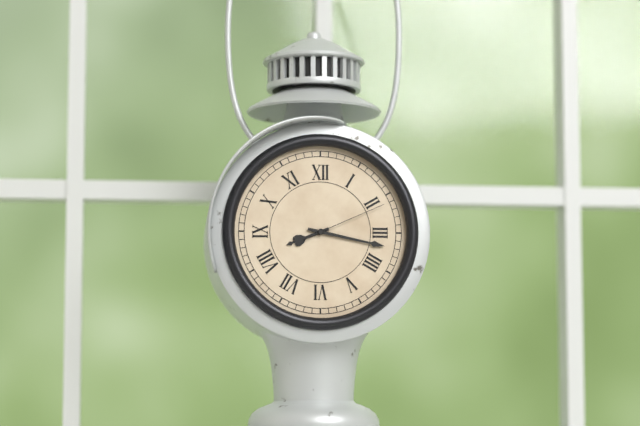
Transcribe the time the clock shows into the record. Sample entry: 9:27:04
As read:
8:17:11
